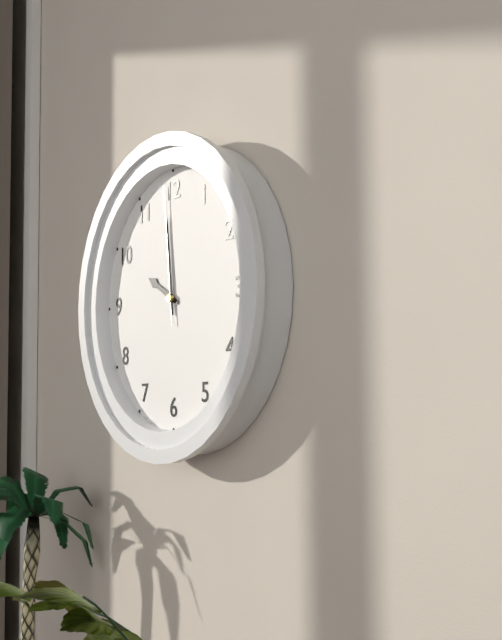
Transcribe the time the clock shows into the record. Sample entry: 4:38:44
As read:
9:59:59
